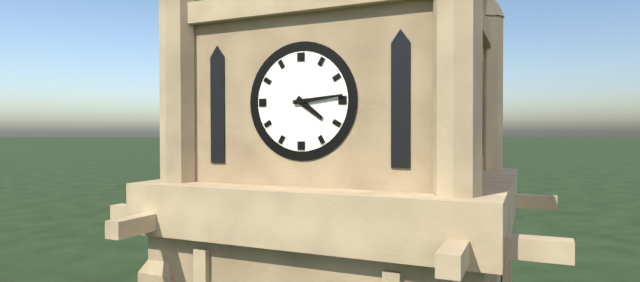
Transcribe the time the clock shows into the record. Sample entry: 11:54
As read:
4:14
